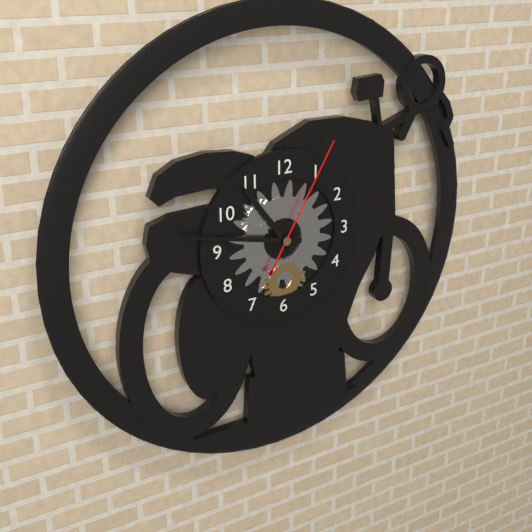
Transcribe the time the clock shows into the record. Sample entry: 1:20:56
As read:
10:47:05
